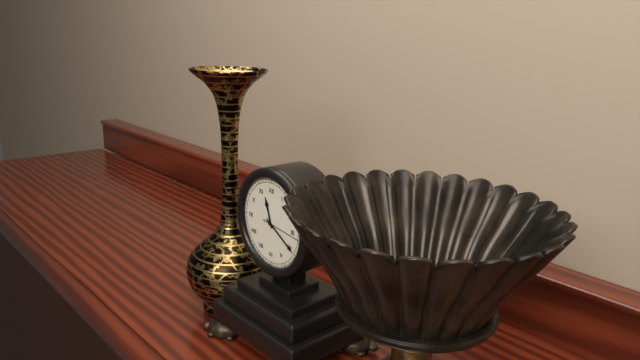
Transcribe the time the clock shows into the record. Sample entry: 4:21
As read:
11:20
